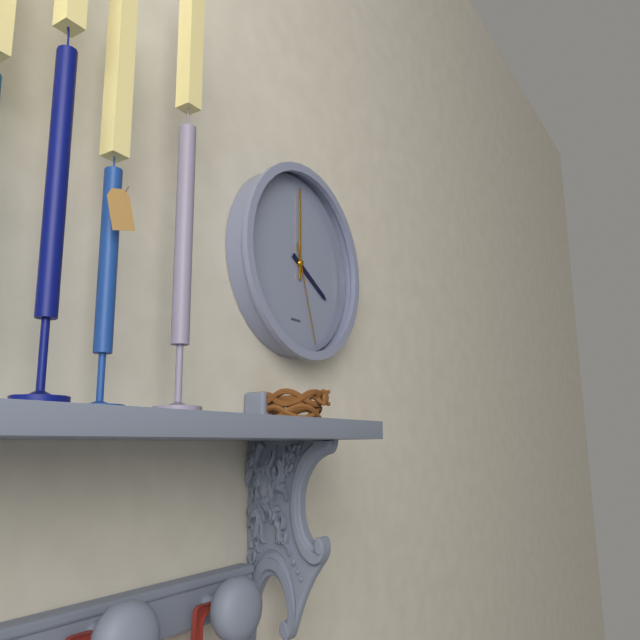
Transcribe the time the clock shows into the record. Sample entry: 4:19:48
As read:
4:00:27
